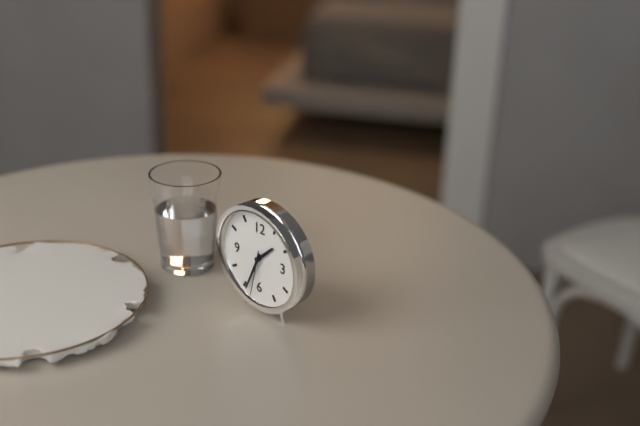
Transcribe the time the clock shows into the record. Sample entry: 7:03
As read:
1:34
